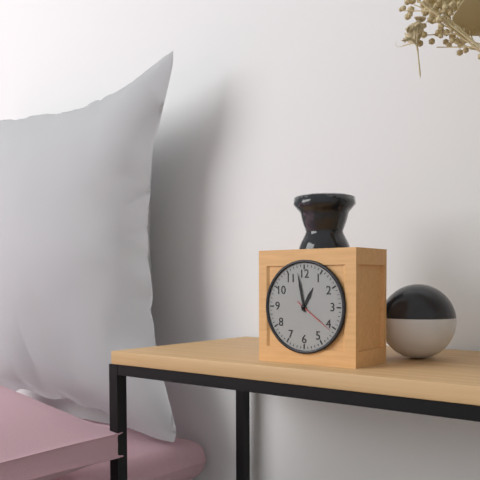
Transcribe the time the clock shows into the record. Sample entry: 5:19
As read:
12:58
